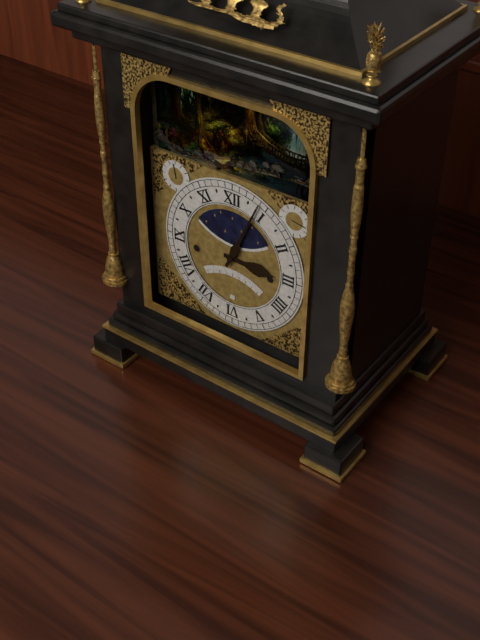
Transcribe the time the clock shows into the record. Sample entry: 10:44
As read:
3:04
